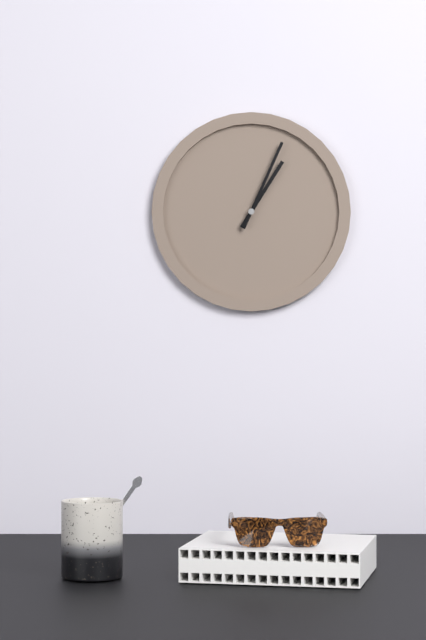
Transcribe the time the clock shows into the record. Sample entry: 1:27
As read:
1:04
